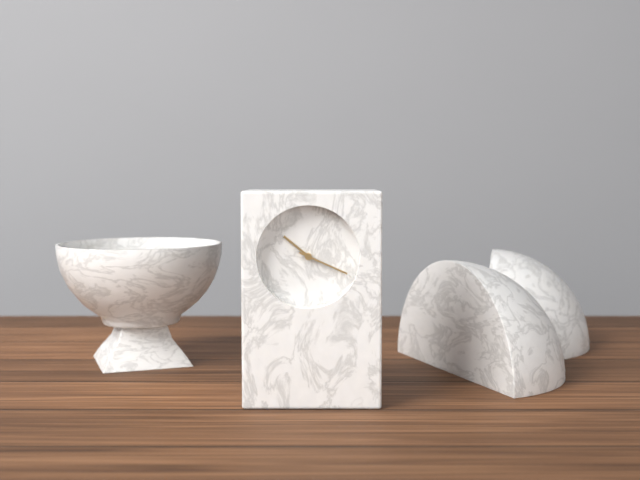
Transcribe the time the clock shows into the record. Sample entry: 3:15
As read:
10:19
